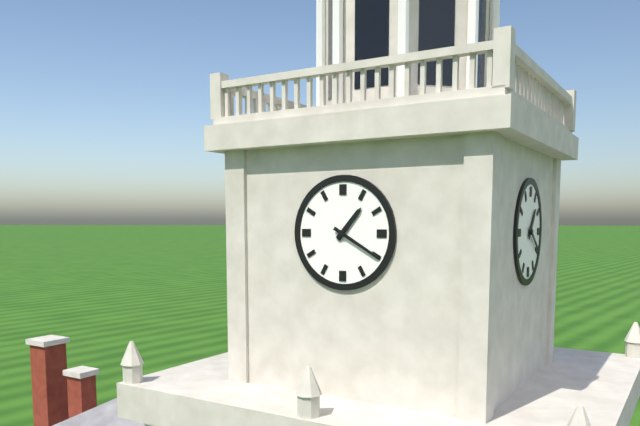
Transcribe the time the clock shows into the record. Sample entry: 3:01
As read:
1:20
